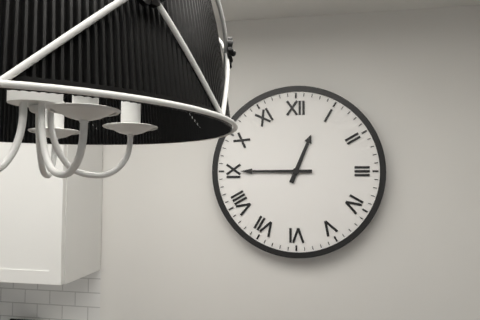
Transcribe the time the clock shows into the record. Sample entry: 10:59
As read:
12:45
